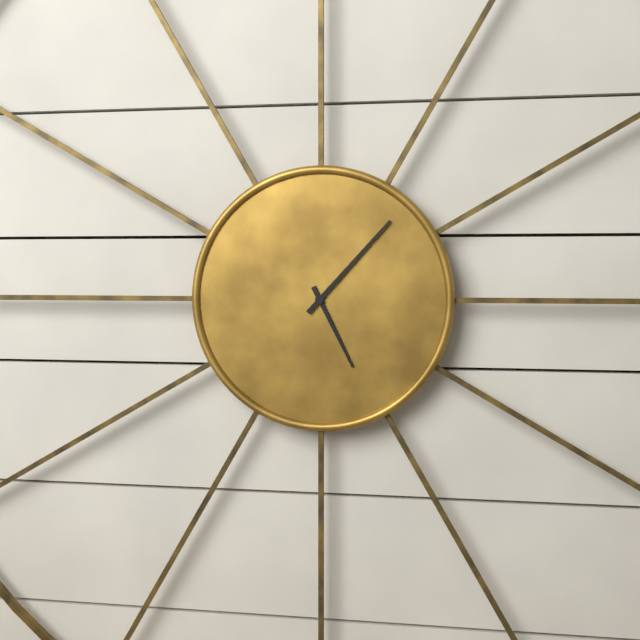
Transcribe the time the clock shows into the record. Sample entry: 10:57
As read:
5:07
